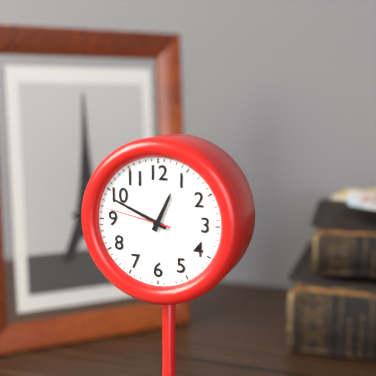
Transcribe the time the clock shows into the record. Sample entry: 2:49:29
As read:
12:49:47
